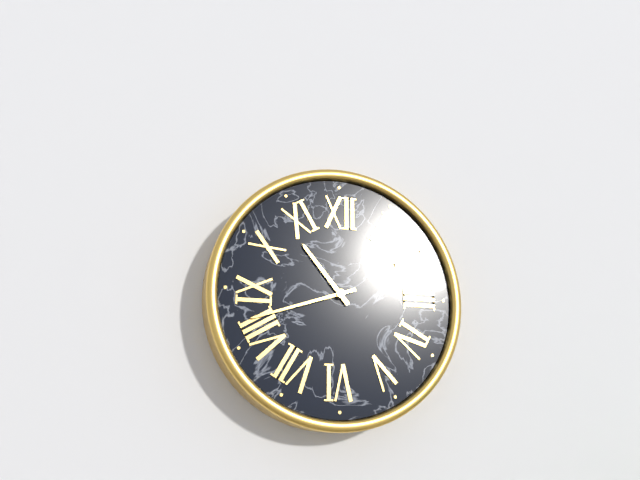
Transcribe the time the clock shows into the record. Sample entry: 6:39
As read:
10:42
